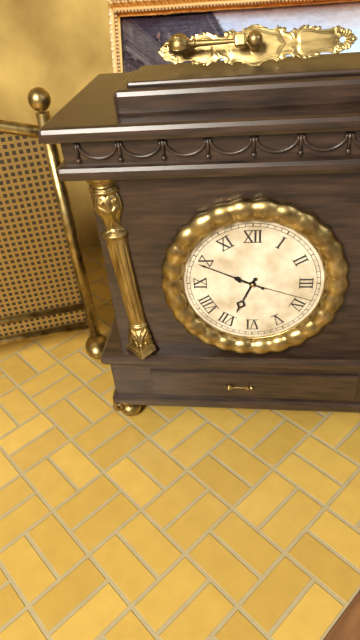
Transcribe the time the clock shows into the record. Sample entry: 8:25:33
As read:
6:49:18
